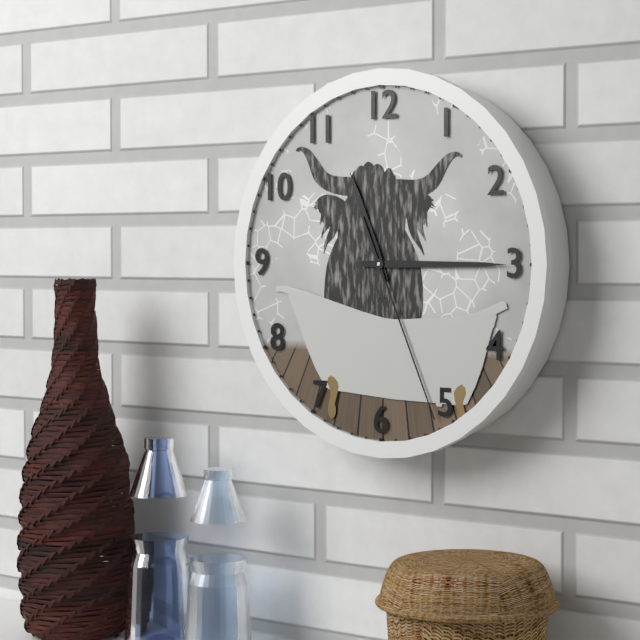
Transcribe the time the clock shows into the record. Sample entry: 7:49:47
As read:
11:15:26
